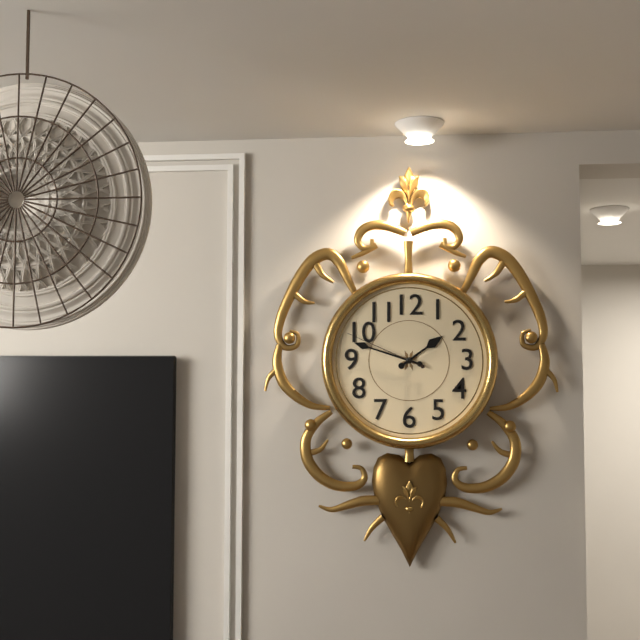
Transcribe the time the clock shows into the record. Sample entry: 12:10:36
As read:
1:48:49
